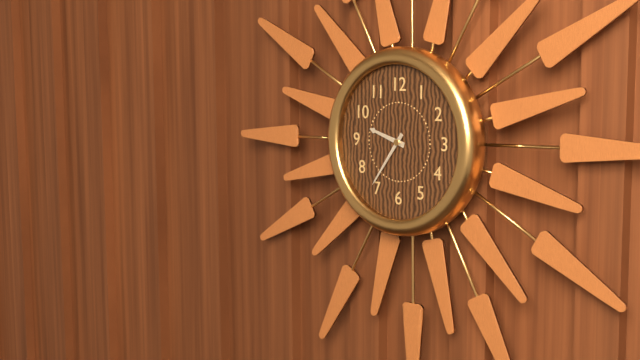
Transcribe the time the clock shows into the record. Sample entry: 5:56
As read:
9:36
